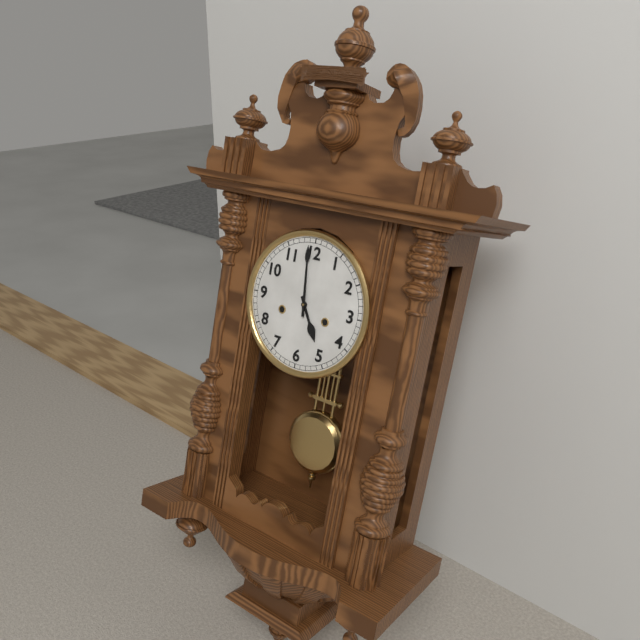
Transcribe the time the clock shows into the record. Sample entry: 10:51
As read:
4:59
